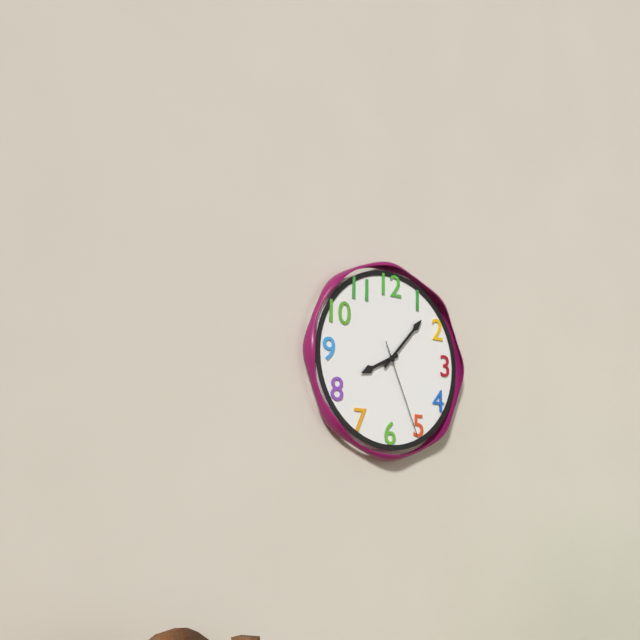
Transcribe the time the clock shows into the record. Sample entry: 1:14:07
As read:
8:07:26
